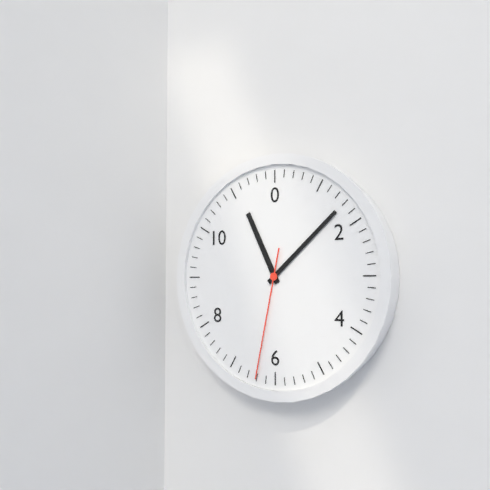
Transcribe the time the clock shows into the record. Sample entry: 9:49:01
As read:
11:08:32
